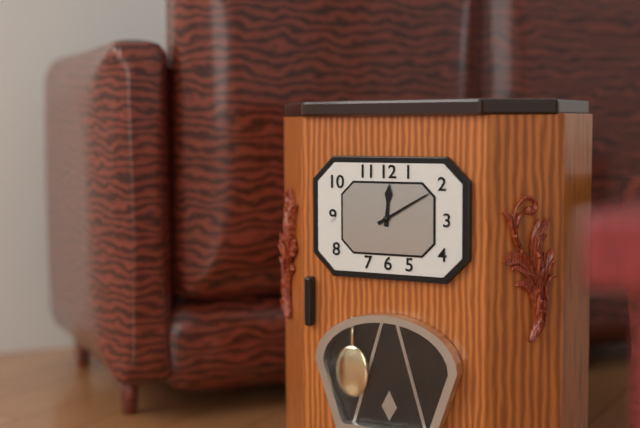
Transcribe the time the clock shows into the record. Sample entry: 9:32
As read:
12:10
